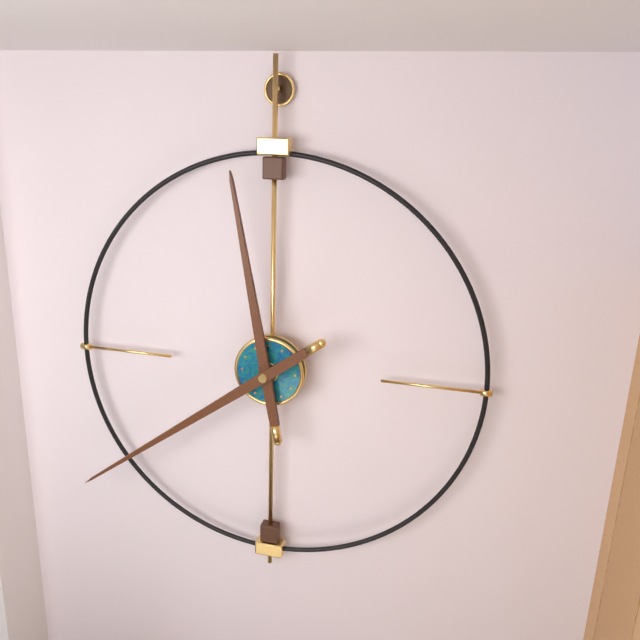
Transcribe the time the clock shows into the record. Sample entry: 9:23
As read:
11:39
